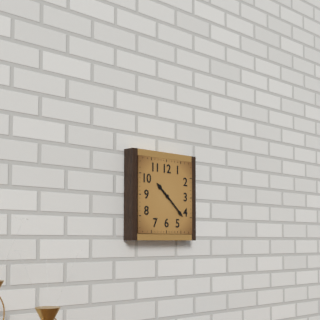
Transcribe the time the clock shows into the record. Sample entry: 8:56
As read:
10:22
